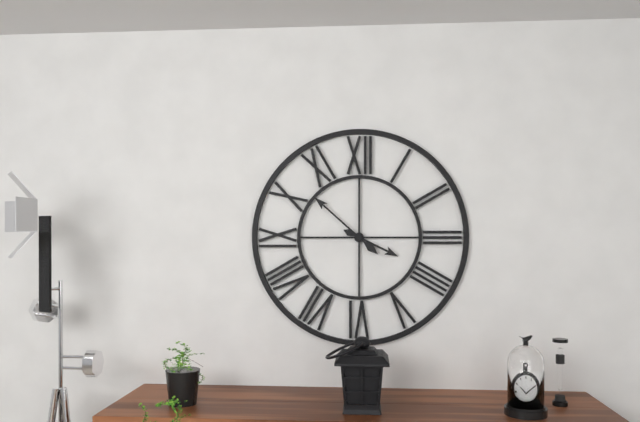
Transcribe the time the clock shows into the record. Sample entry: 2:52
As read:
3:52
